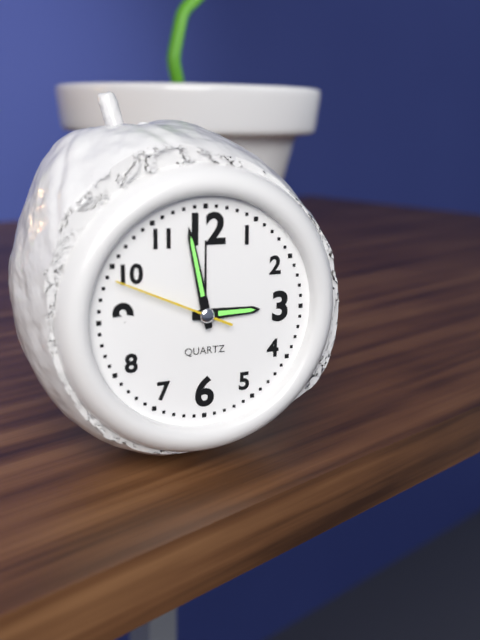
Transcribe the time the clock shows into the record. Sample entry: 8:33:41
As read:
2:58:49
